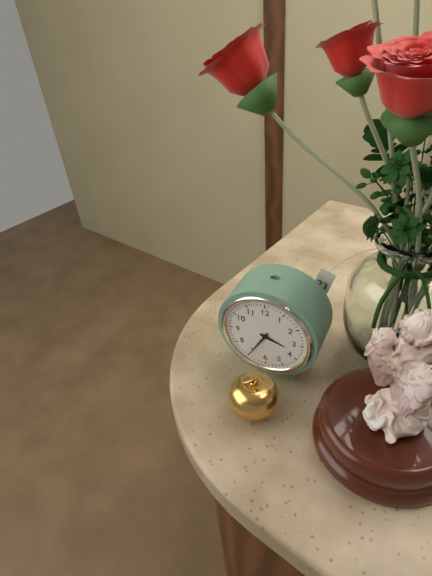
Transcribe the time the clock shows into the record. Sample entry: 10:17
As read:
3:35
